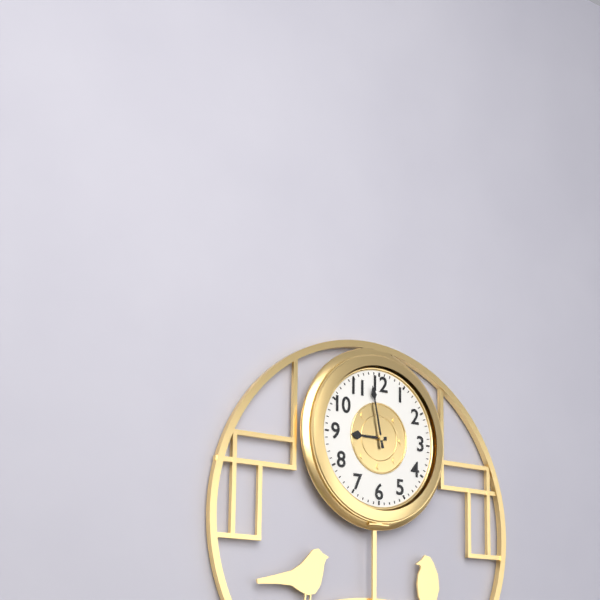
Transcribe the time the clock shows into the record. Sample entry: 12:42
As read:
8:58
